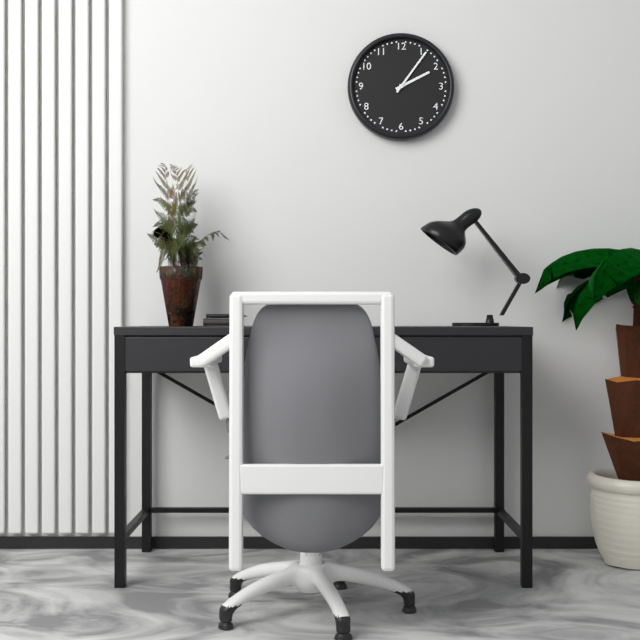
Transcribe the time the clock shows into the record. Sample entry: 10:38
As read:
2:06
